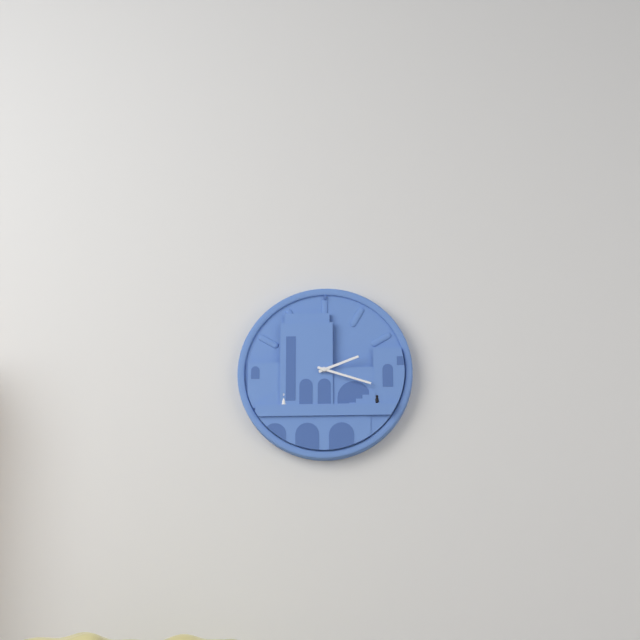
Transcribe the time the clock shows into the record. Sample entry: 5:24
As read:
2:18
